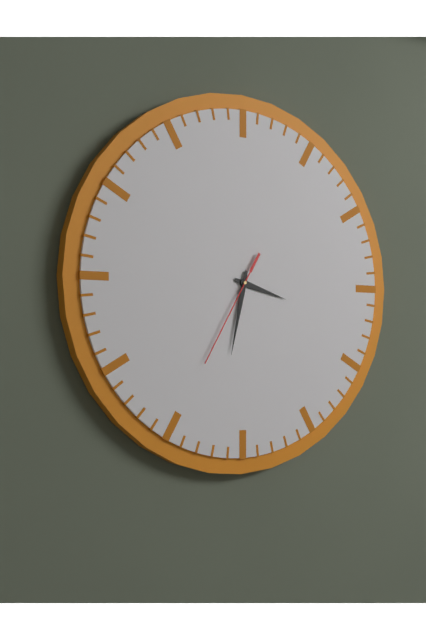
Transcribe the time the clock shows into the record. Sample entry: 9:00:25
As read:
3:32:35
